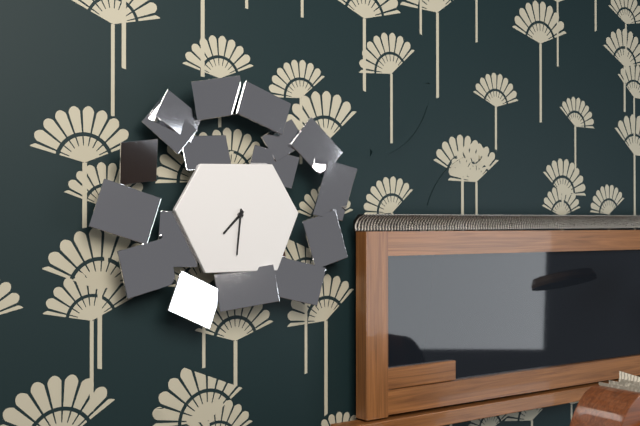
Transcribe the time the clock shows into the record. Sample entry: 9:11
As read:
7:31
